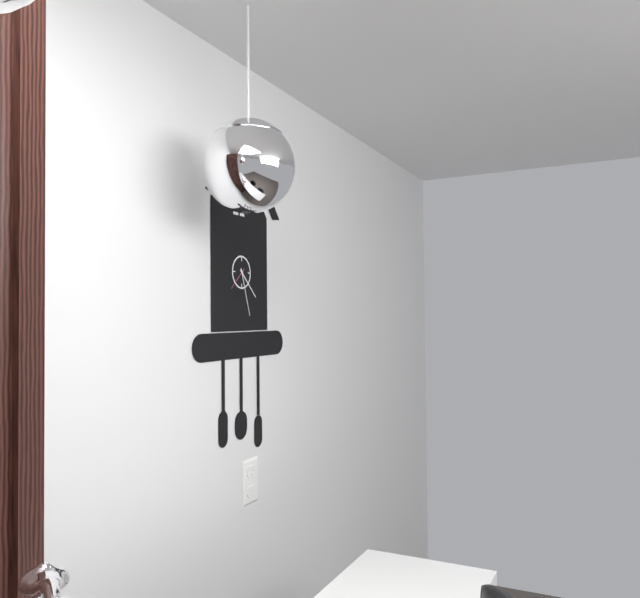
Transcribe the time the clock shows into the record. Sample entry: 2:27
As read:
4:27
